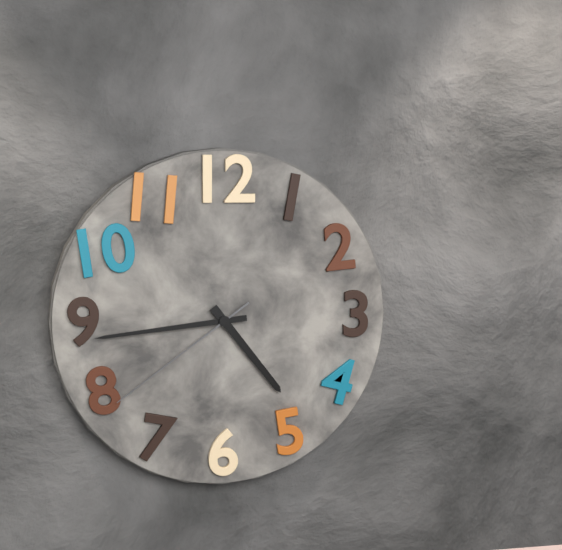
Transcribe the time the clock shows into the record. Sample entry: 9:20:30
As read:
4:44:39
